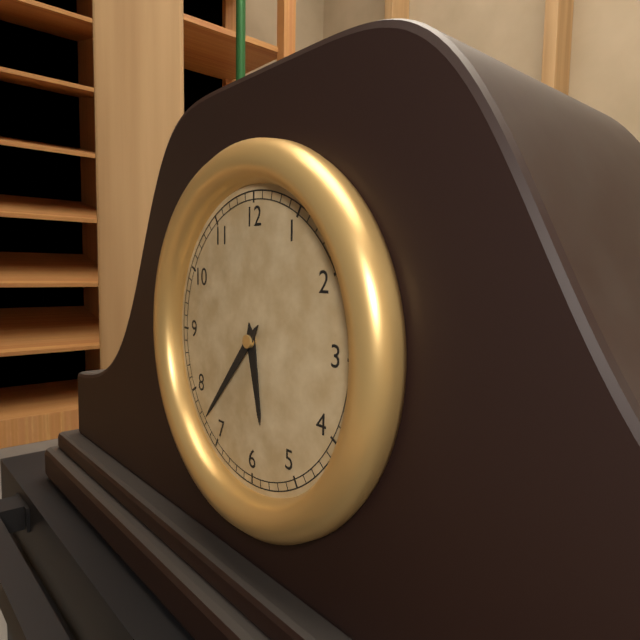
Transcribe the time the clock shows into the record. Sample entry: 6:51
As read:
5:37
